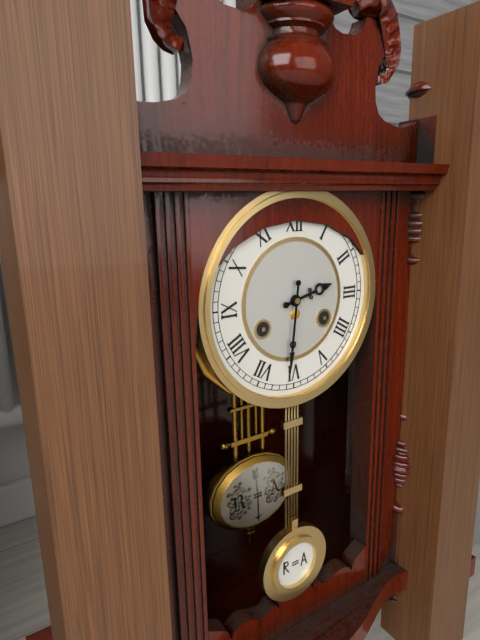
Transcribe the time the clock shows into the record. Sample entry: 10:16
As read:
2:31
